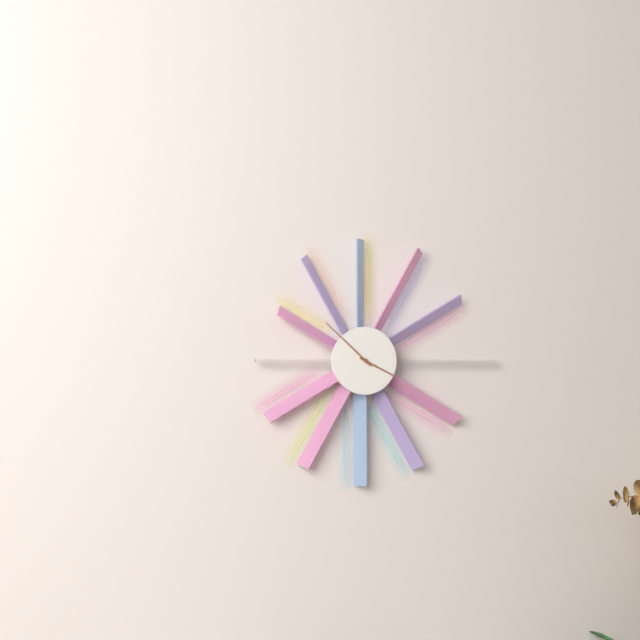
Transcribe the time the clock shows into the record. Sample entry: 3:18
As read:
3:52
